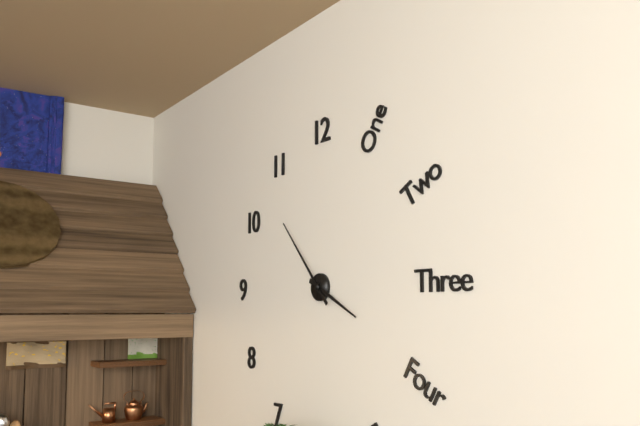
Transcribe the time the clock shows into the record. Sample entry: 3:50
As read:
3:53
